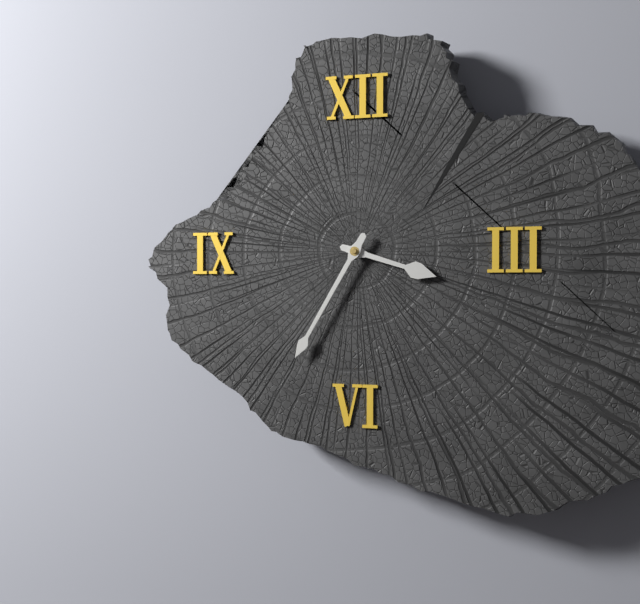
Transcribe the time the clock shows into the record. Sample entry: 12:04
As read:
3:35
